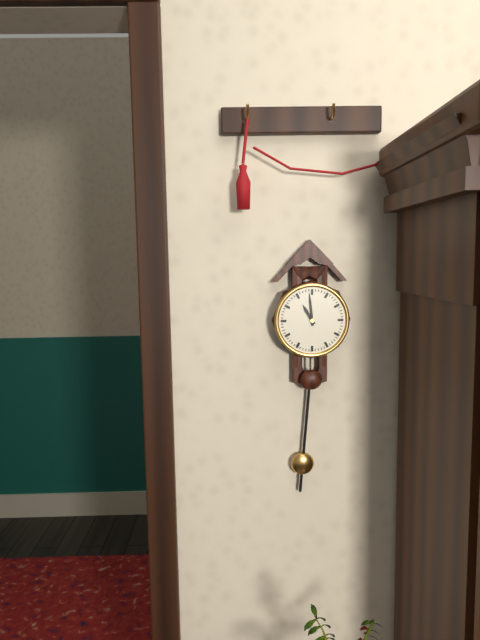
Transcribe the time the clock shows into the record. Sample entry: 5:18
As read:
10:59
